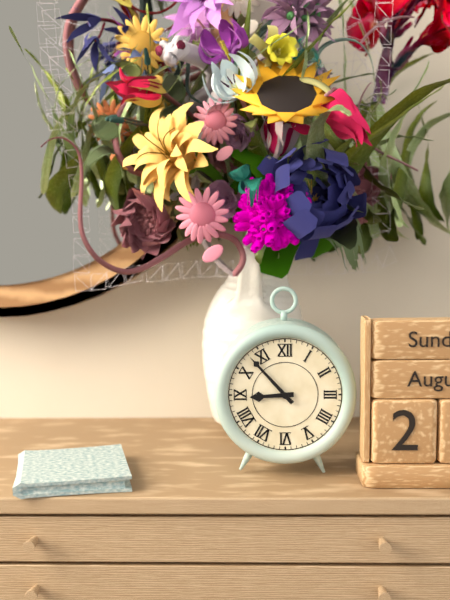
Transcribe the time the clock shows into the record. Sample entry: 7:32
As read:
8:53
